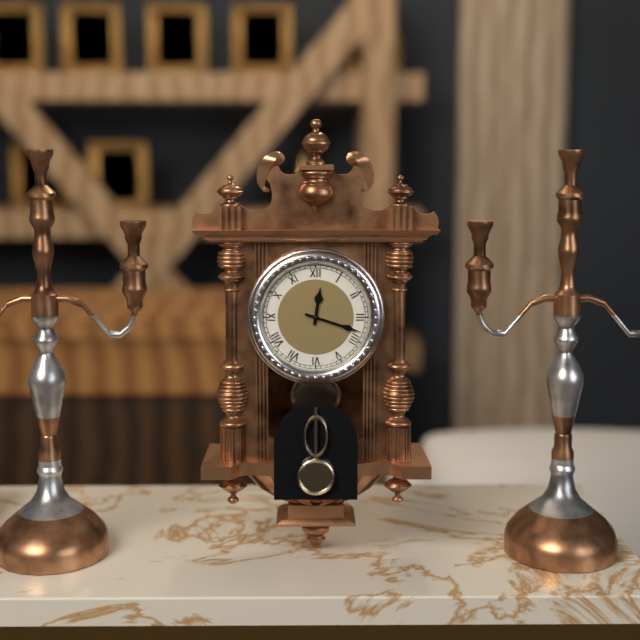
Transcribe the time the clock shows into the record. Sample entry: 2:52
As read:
12:18
